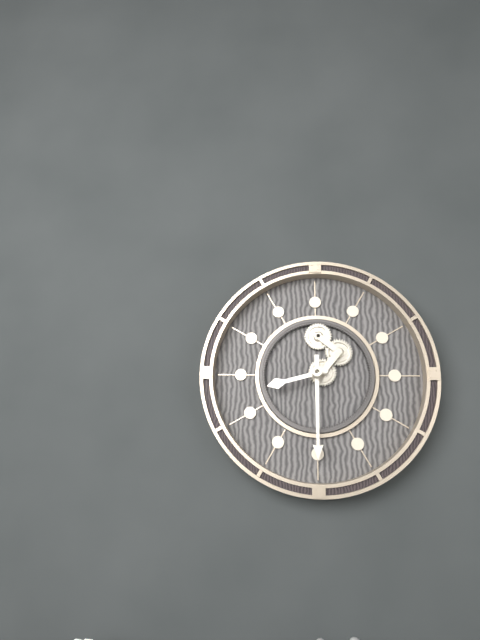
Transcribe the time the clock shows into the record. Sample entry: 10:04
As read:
8:30
